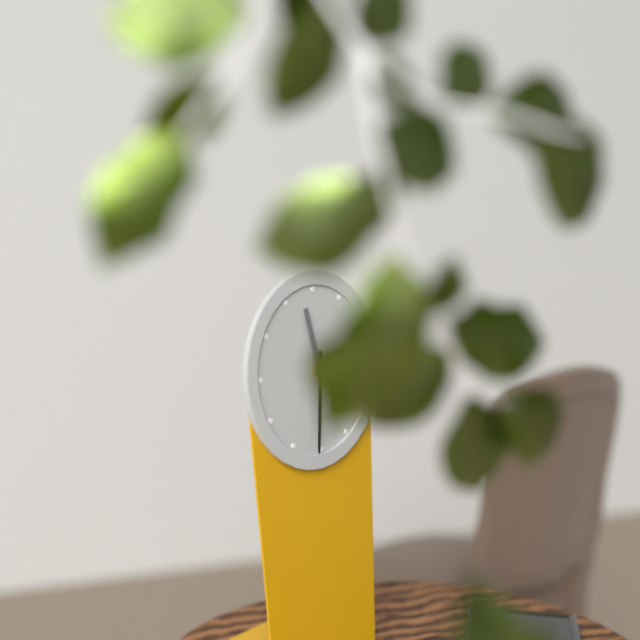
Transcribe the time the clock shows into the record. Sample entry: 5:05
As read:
11:31
